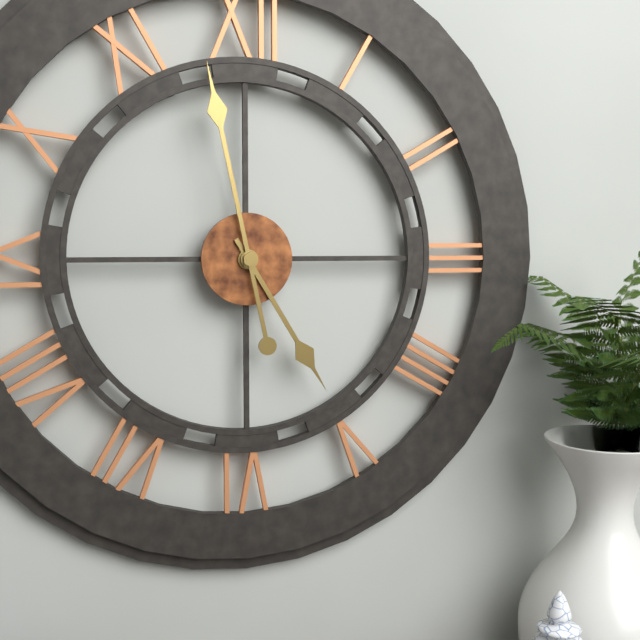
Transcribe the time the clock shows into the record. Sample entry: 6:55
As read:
4:58
